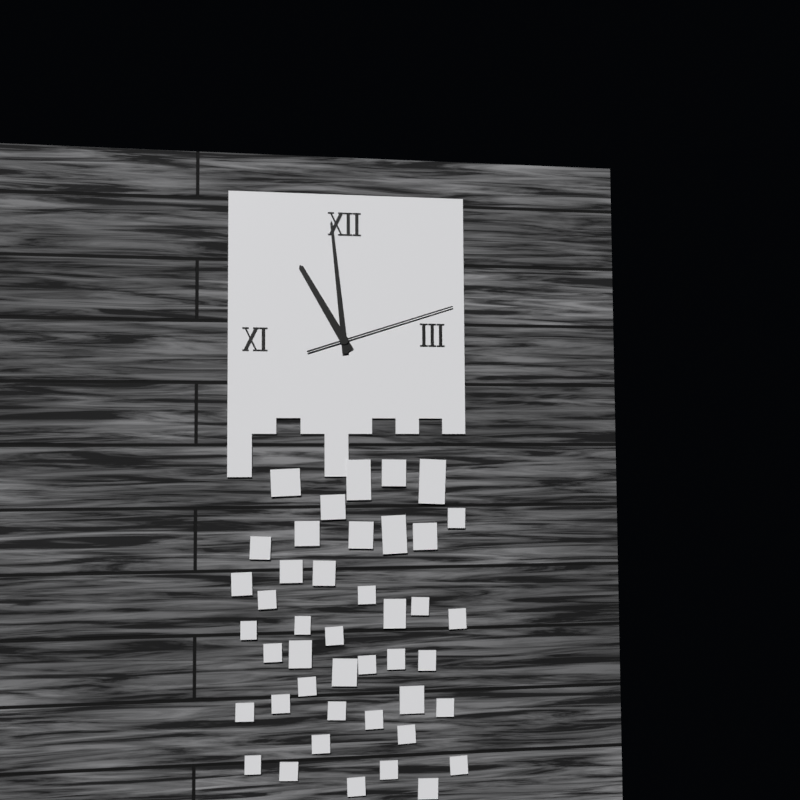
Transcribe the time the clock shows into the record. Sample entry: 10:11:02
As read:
10:59:12
